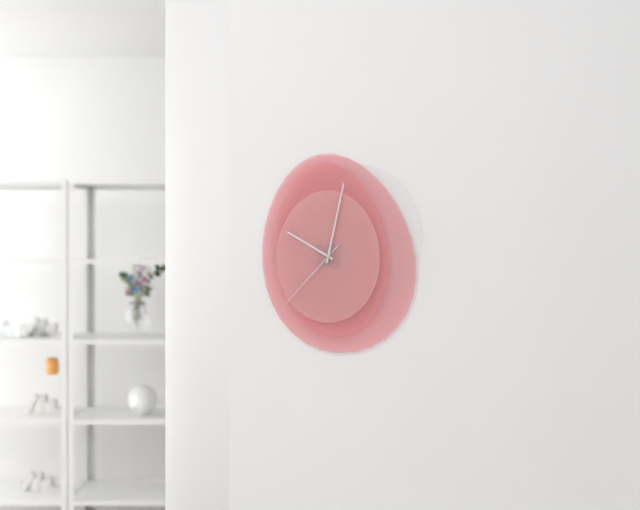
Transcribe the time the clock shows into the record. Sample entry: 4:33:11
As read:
10:02:37
